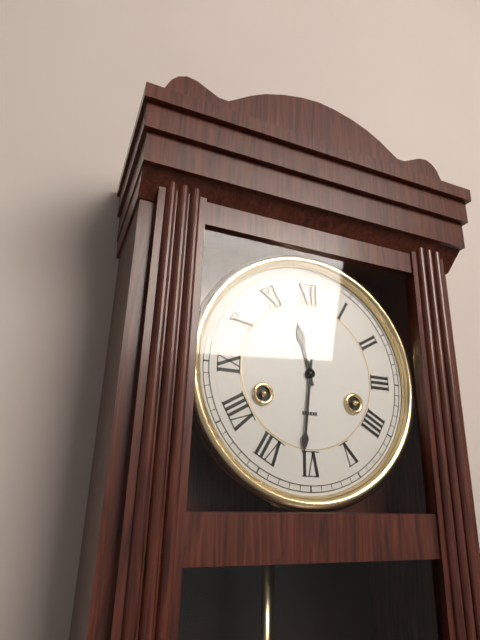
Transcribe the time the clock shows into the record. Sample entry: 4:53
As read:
11:31
